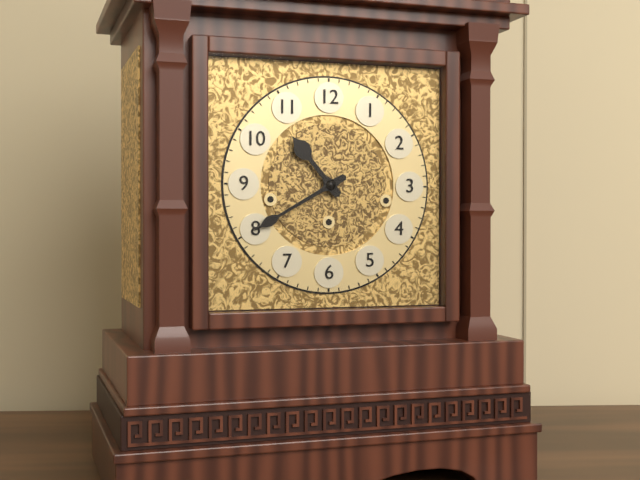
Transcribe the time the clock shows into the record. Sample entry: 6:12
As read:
10:40
